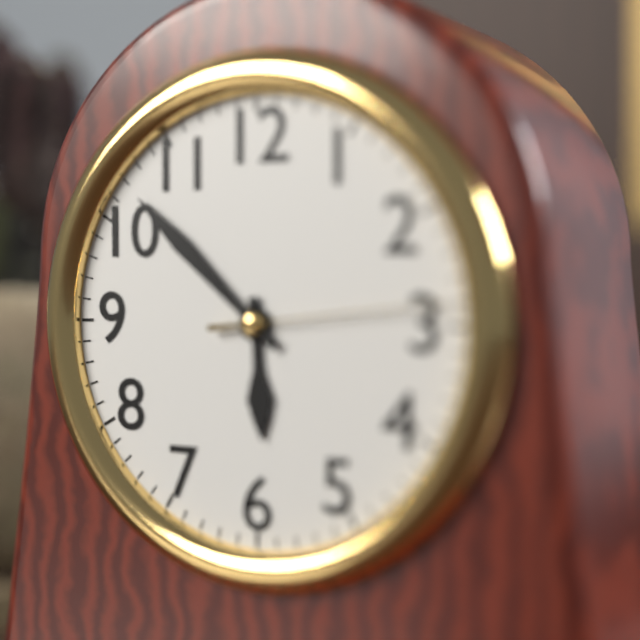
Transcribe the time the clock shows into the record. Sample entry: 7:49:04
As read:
5:52:14
